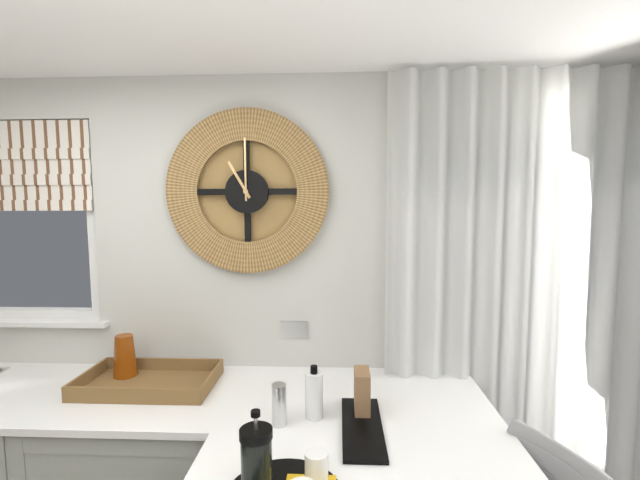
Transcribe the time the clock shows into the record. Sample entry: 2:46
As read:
11:00
